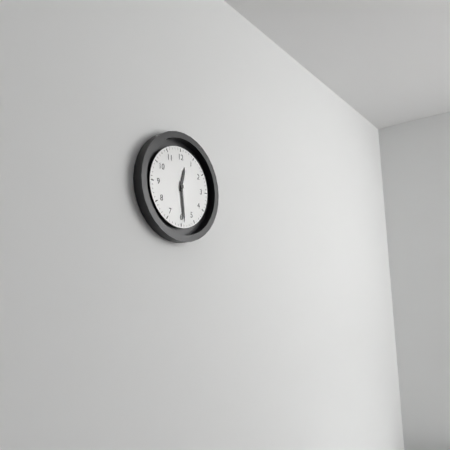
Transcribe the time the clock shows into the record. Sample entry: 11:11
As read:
12:29
